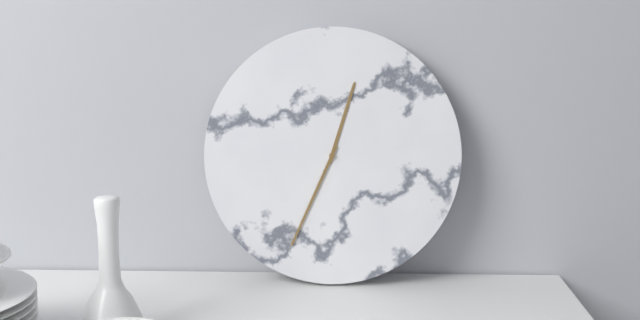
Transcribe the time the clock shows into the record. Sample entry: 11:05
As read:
12:34
